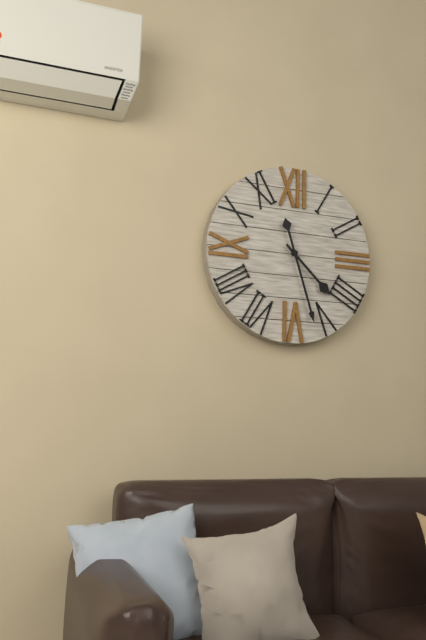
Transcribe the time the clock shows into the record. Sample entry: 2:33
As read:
4:27
